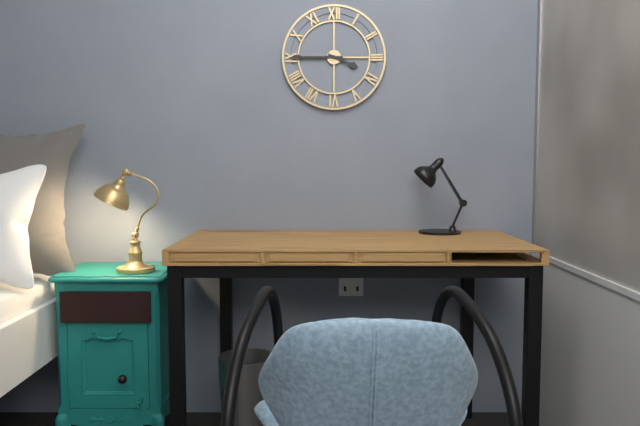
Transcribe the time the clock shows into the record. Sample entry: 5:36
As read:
3:45
